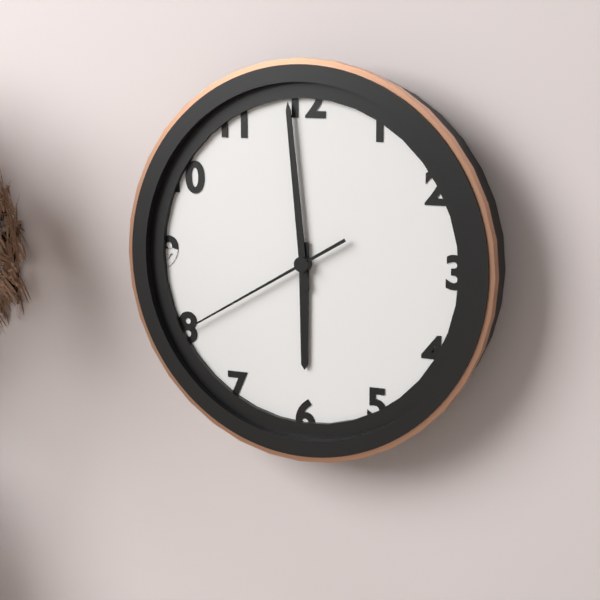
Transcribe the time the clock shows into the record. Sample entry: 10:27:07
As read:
5:59:40
